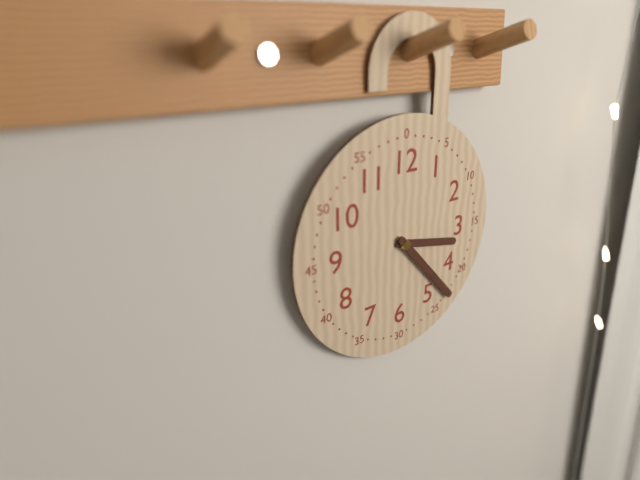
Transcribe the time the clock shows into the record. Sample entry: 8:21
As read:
3:23
